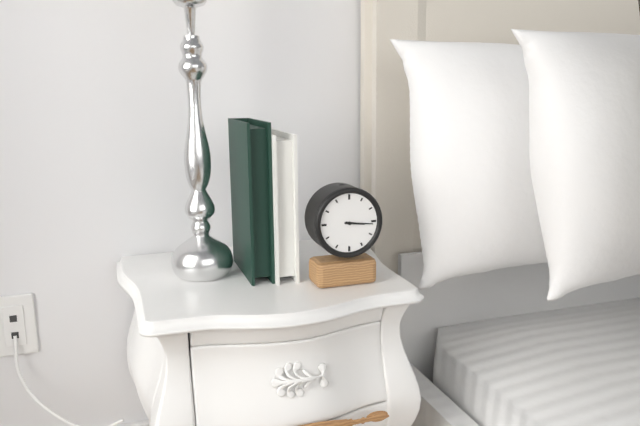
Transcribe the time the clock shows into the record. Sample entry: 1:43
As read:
3:16
